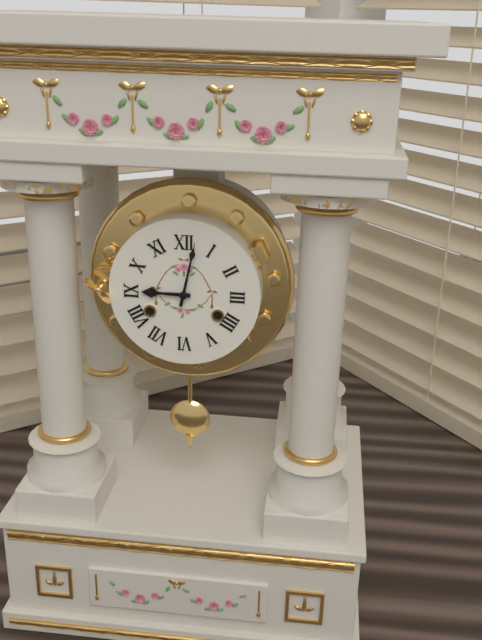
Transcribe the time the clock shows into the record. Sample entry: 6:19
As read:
9:02
